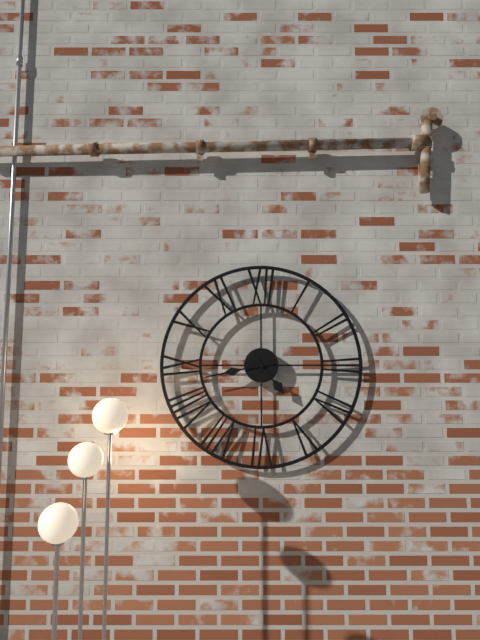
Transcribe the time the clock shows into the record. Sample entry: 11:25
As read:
4:43
